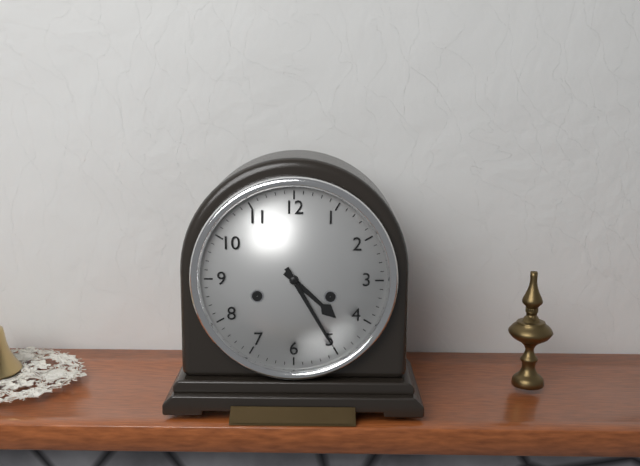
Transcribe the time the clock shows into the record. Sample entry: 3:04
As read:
4:25
